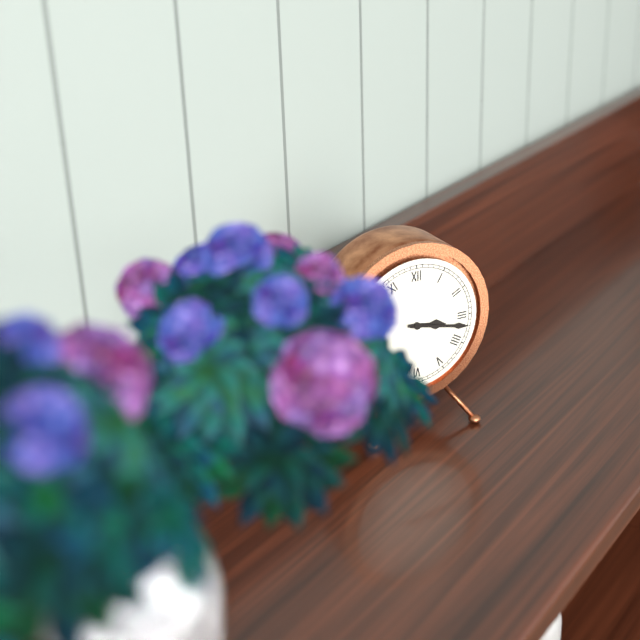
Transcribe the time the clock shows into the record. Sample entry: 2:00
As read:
3:17
